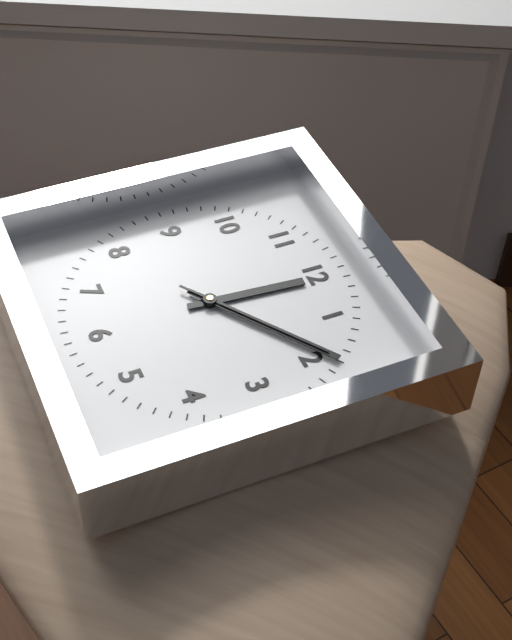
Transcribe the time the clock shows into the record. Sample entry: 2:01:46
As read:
12:09:09
